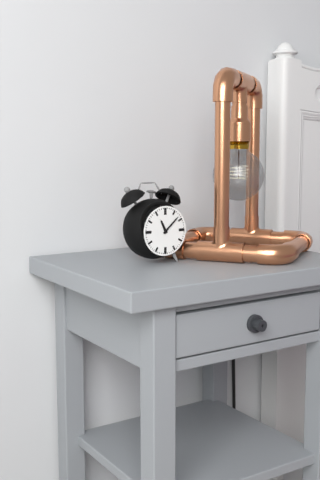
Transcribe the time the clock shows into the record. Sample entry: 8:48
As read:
11:08
